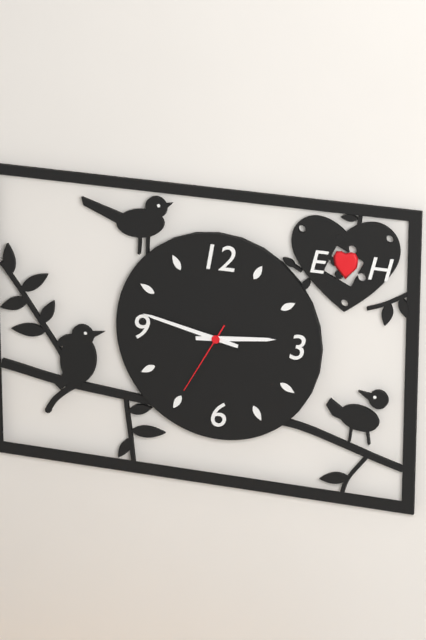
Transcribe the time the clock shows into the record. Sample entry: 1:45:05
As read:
2:47:35
